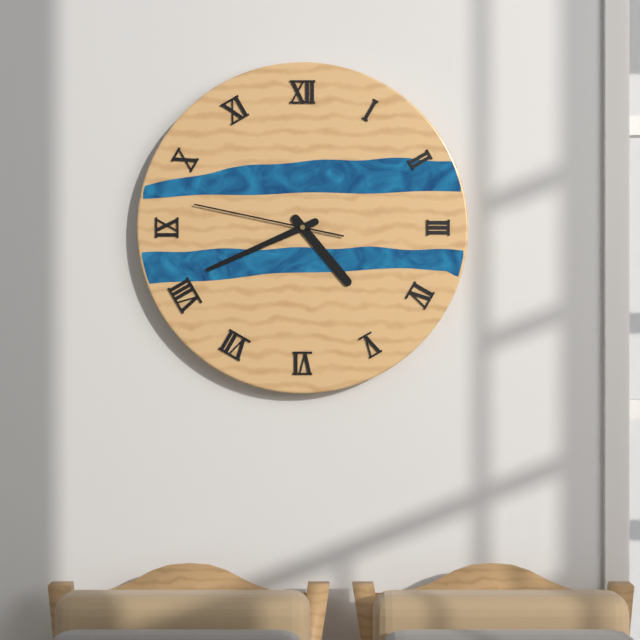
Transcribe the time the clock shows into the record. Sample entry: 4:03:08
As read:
4:41:47
